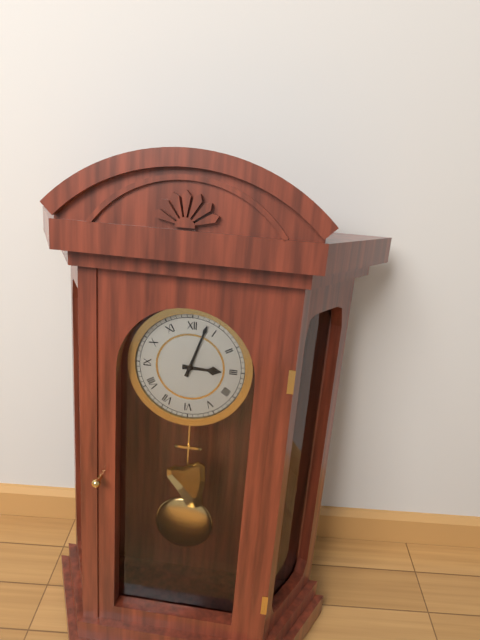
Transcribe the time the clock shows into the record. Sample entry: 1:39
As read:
3:03
